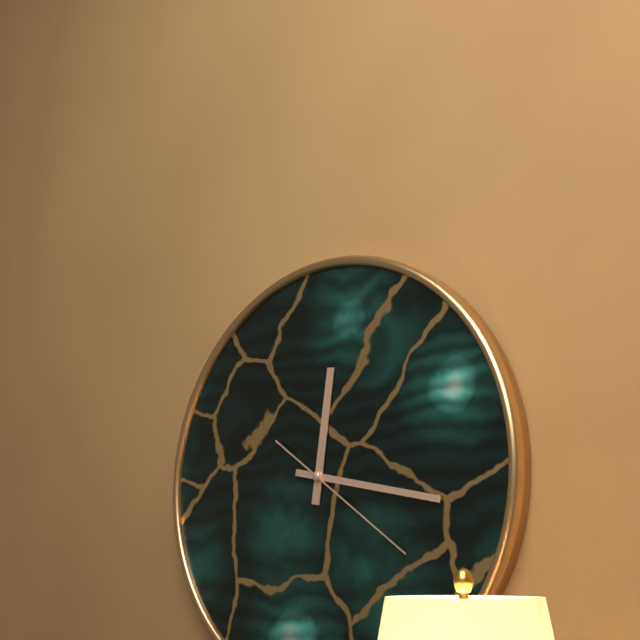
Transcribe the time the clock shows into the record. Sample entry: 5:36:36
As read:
12:17:21
